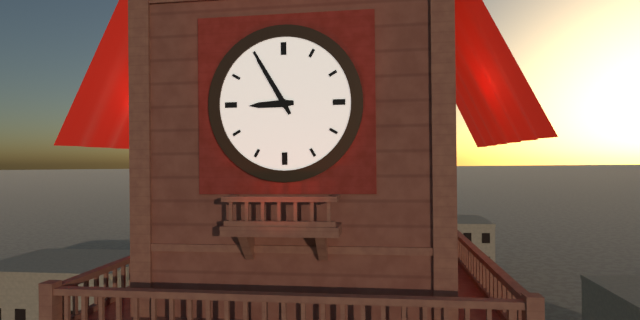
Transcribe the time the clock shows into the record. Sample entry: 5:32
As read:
8:55
